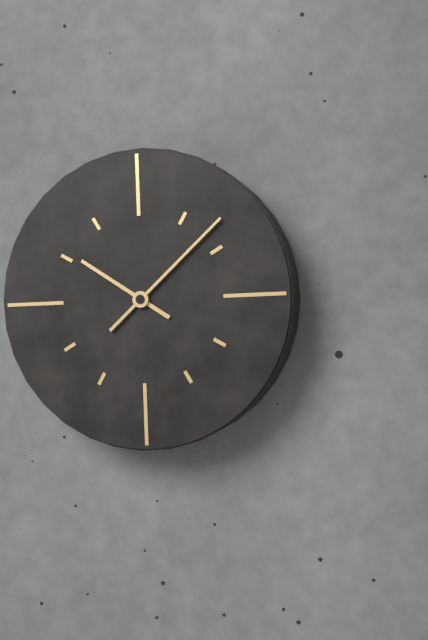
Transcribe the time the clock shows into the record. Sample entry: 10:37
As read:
10:08
